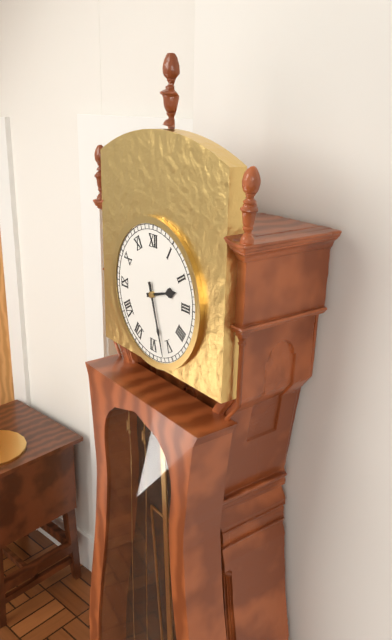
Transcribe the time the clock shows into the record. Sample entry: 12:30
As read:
2:27
